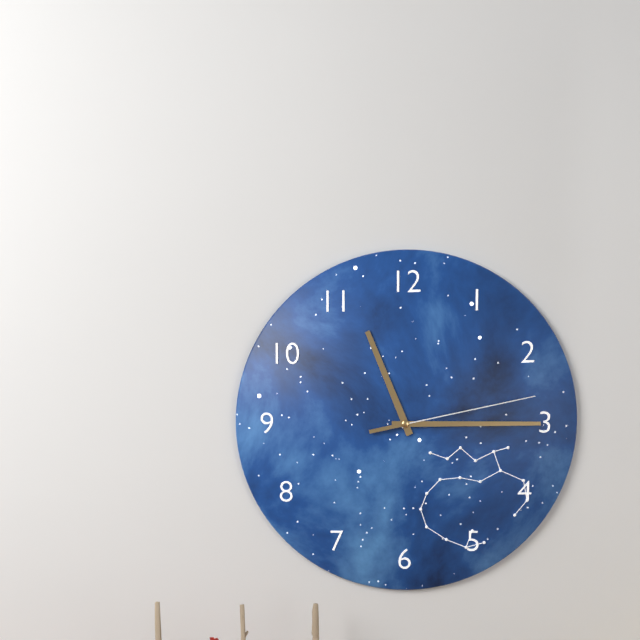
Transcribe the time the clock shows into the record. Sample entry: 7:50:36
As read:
11:15:13
